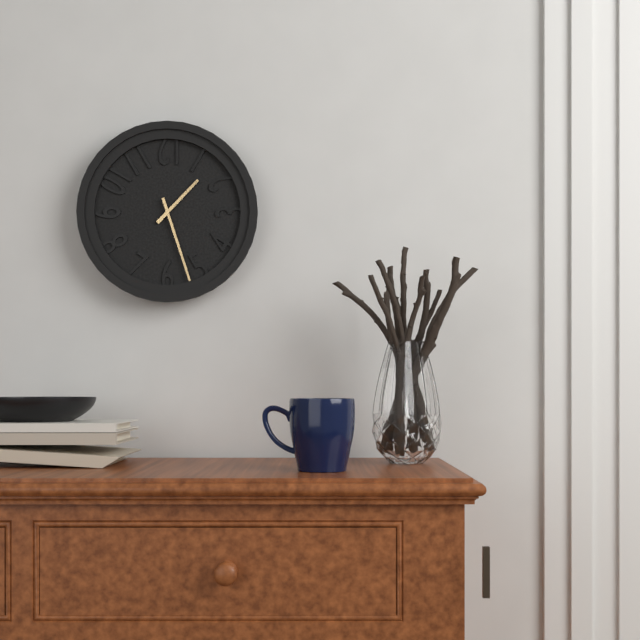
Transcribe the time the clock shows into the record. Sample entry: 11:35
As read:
1:27
